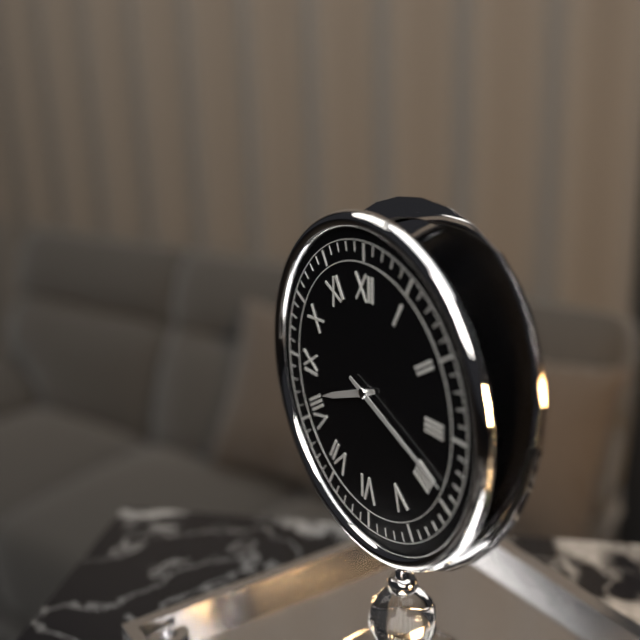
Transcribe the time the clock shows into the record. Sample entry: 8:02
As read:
8:19
